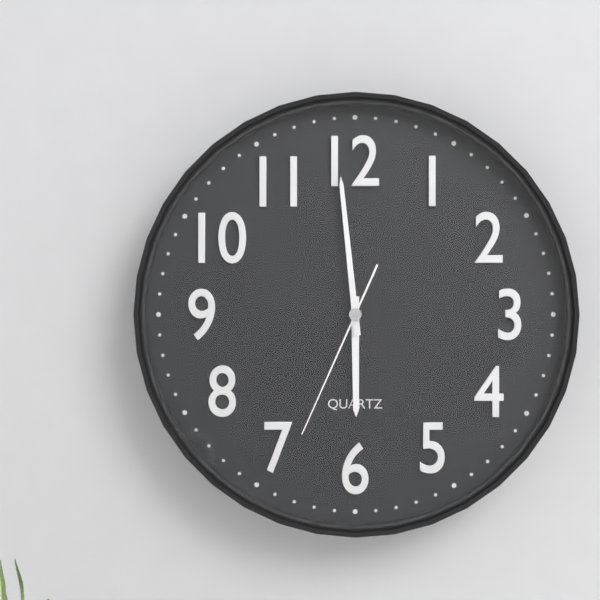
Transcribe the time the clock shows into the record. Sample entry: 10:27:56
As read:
5:59:34
